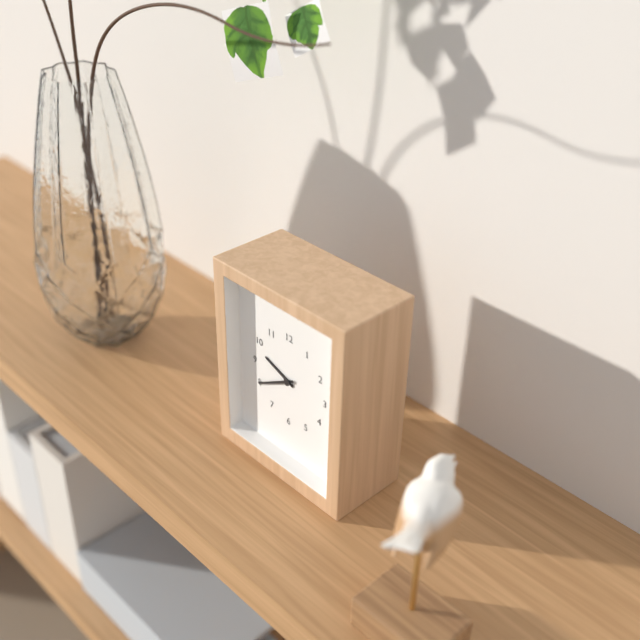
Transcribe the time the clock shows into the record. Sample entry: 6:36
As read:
9:40
